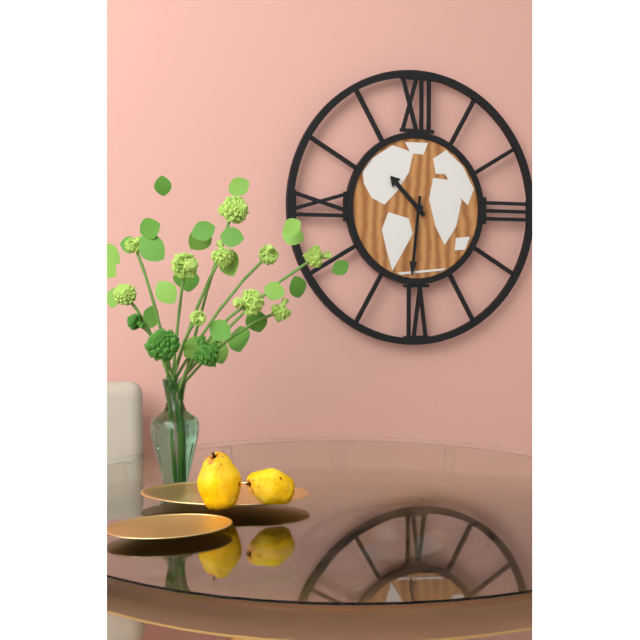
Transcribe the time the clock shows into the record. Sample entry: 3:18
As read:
10:31
